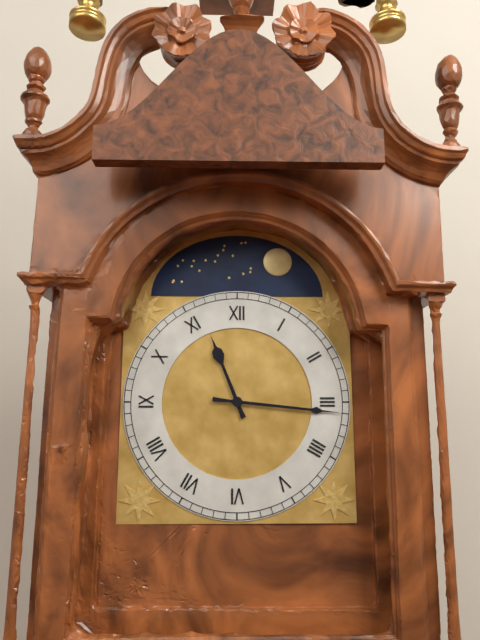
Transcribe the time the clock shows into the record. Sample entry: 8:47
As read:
11:16
